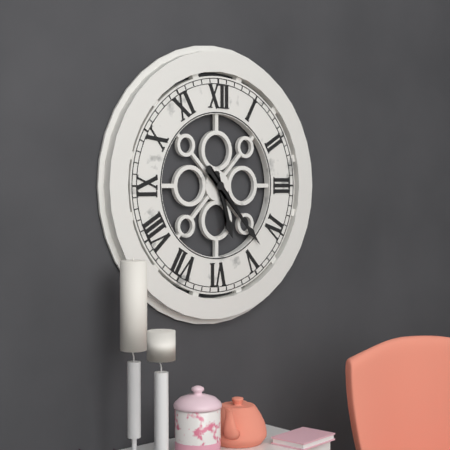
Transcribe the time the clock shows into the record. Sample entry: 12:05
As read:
5:23
